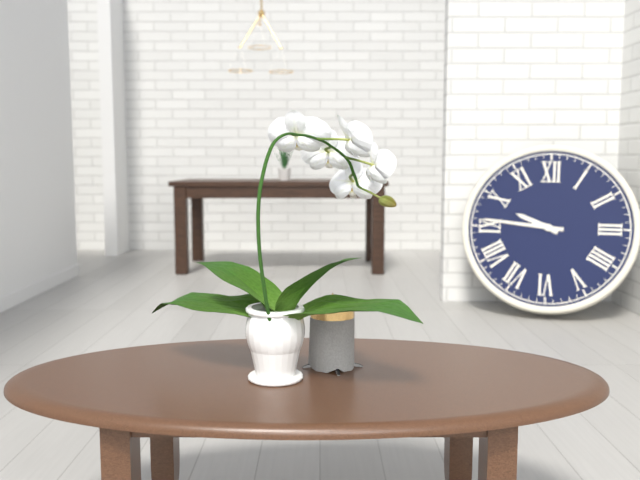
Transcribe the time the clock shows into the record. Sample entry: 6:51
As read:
9:46
